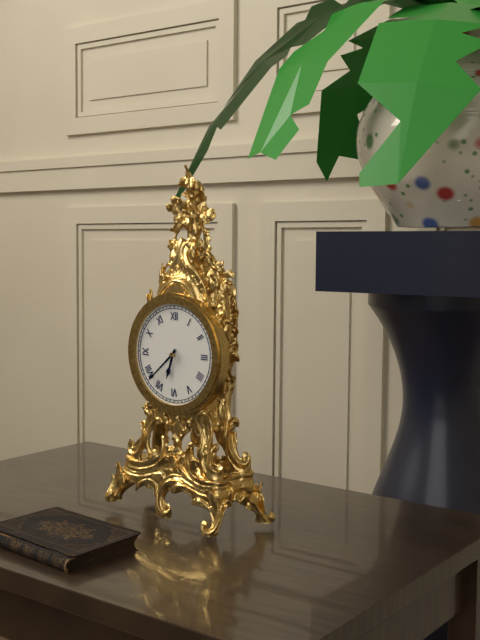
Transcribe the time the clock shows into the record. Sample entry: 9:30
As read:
6:38
